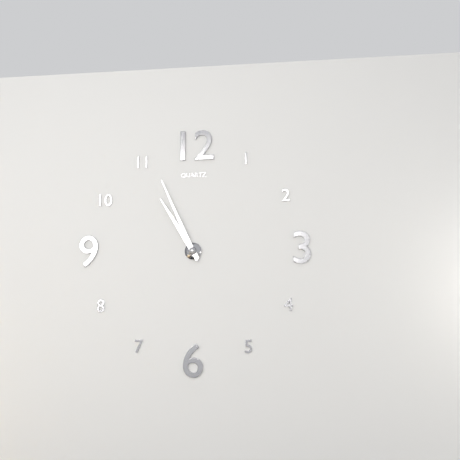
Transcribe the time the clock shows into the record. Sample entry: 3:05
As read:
10:56
